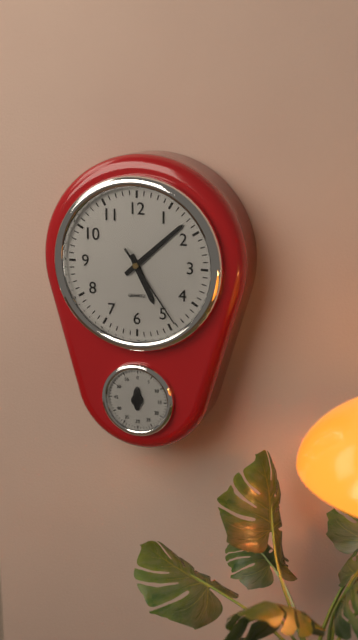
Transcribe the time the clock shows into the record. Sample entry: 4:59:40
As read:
5:08:24
